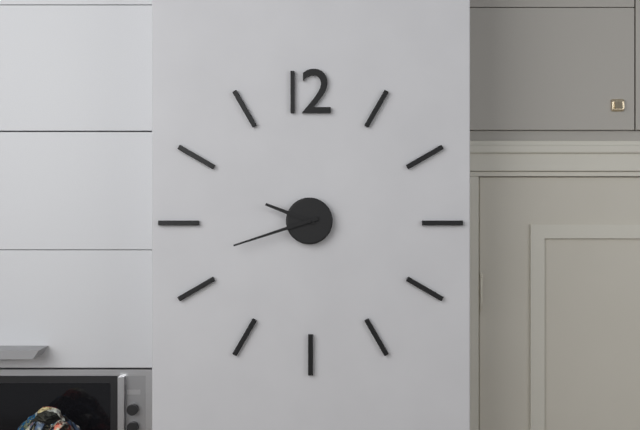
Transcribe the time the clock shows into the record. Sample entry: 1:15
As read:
9:42
